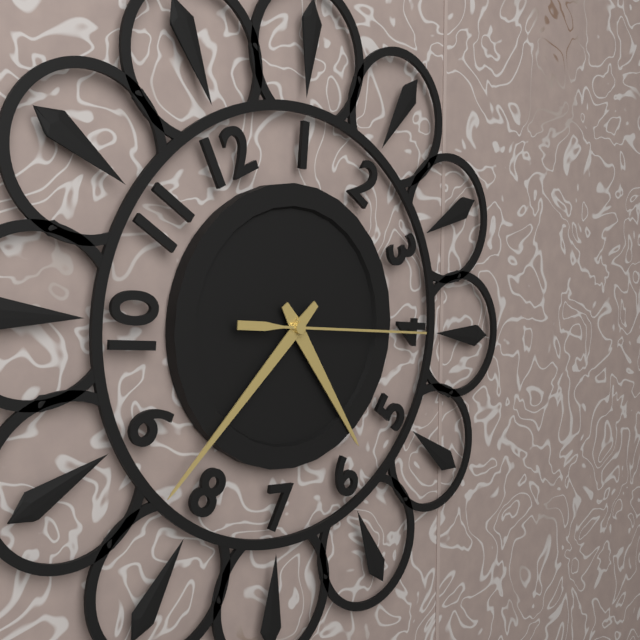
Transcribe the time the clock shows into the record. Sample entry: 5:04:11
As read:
5:42:20
